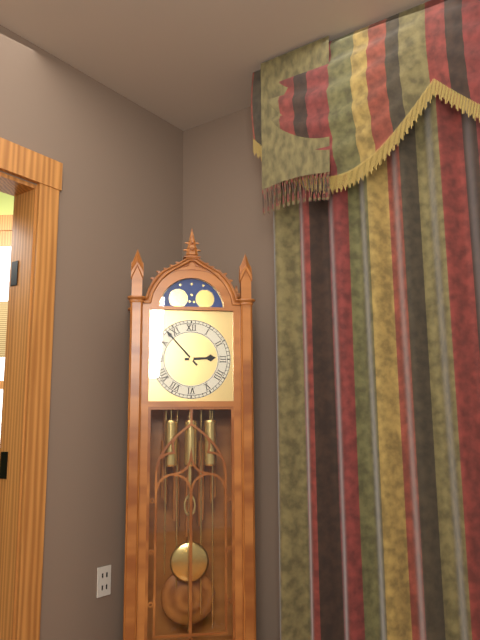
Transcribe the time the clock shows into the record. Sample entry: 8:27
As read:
2:53
